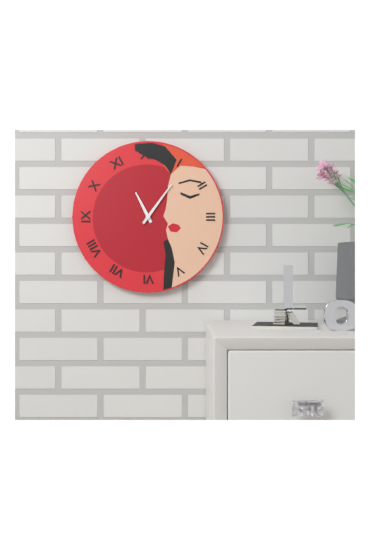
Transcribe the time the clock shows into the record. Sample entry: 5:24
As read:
11:06
